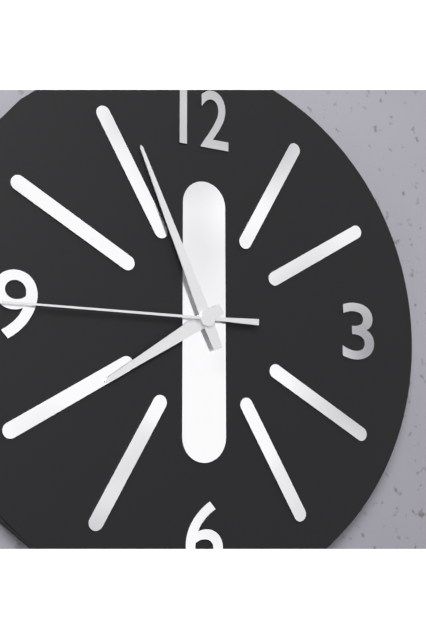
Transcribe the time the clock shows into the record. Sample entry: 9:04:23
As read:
7:56:45
